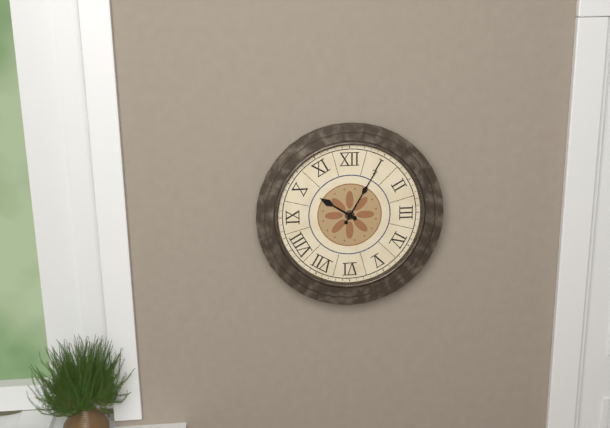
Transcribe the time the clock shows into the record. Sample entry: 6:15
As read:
10:05
